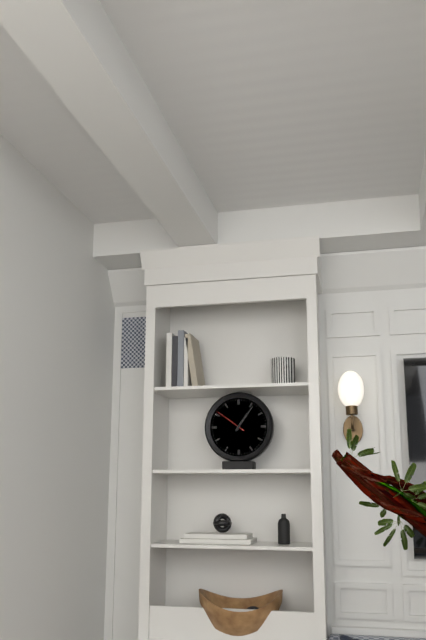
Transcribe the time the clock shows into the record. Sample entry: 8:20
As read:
1:06
